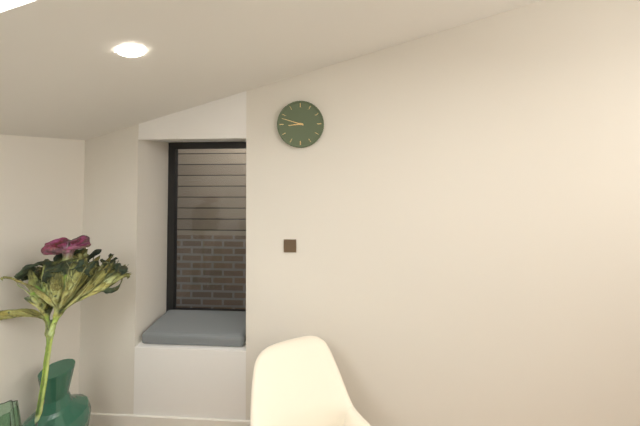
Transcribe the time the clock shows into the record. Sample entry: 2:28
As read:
8:48
